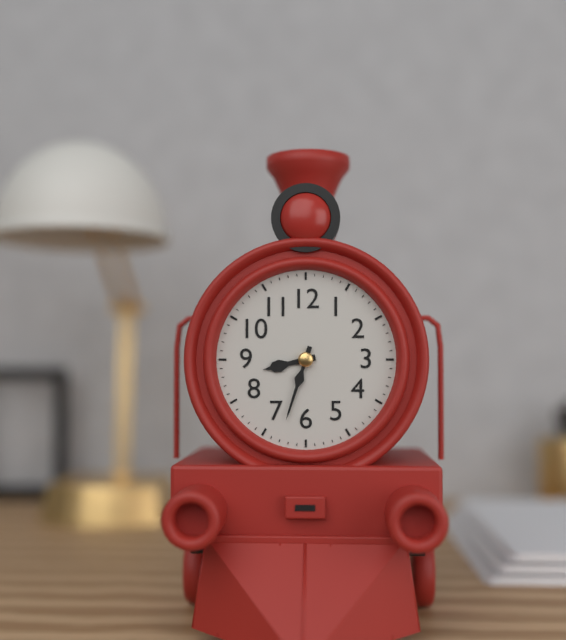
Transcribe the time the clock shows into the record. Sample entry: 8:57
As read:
8:33
